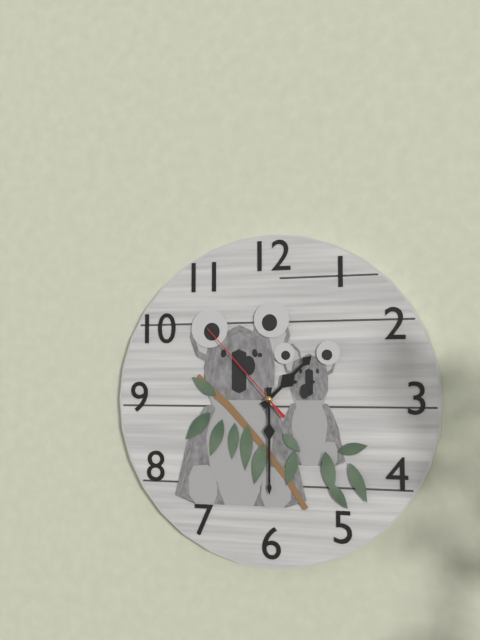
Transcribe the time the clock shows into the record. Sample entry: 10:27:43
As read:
1:30:53
